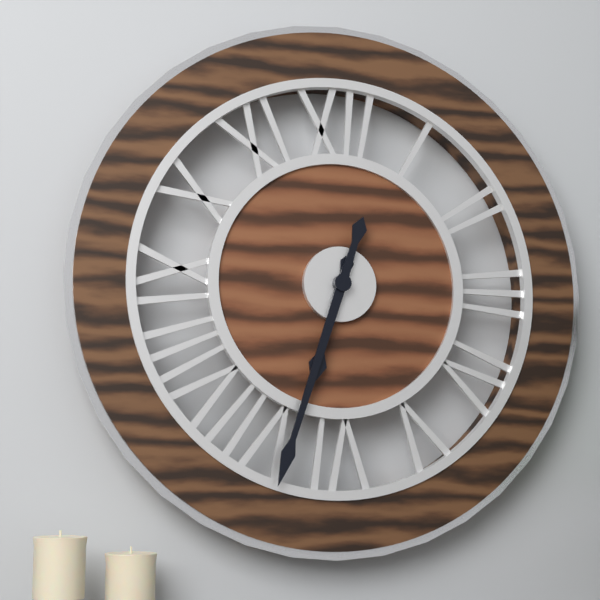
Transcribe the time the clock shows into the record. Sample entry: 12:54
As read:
6:33
